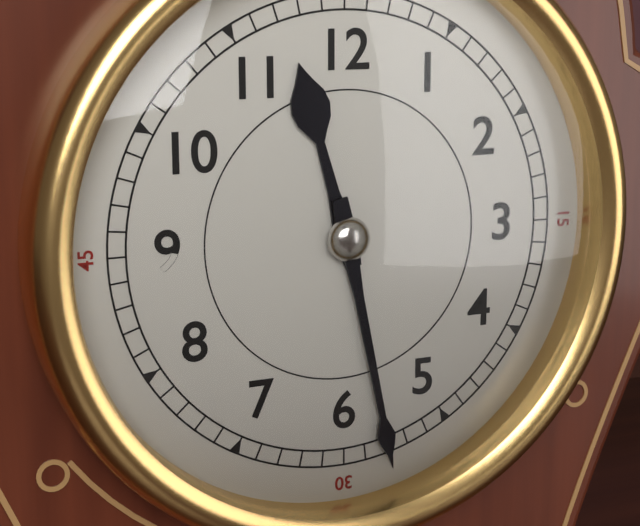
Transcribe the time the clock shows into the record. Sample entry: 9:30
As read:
11:28
